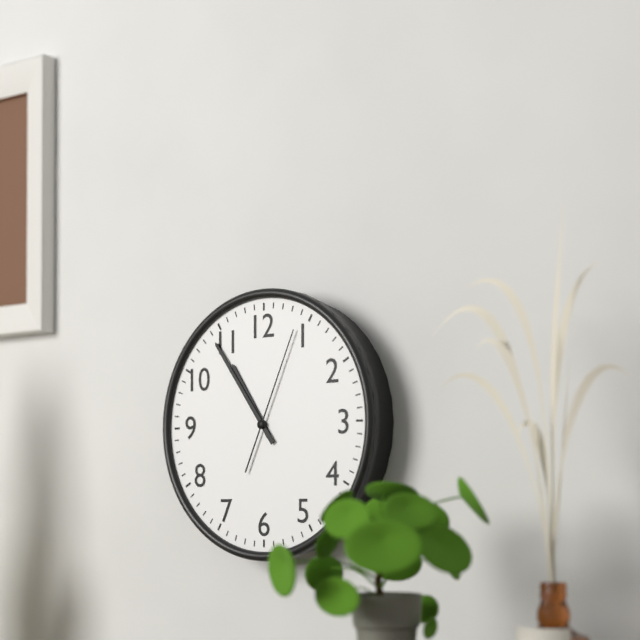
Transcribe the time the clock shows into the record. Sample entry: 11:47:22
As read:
10:54:04
